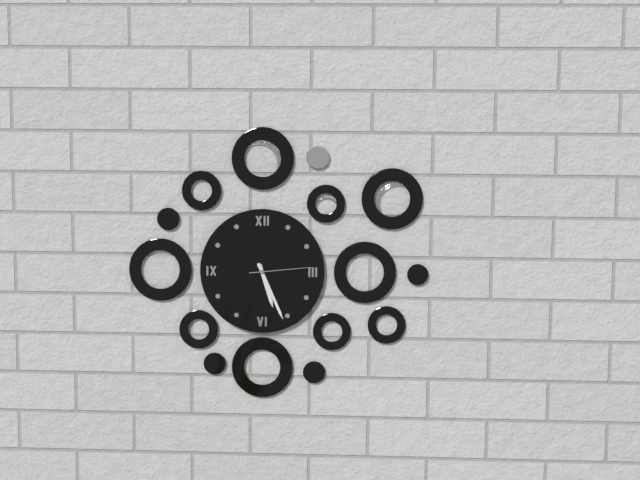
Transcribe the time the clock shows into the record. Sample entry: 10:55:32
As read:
5:26:14
